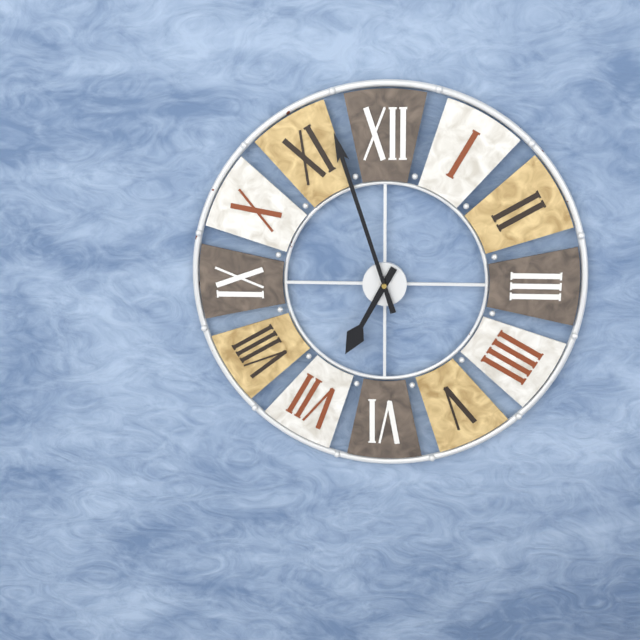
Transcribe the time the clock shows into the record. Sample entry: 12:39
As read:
6:57
